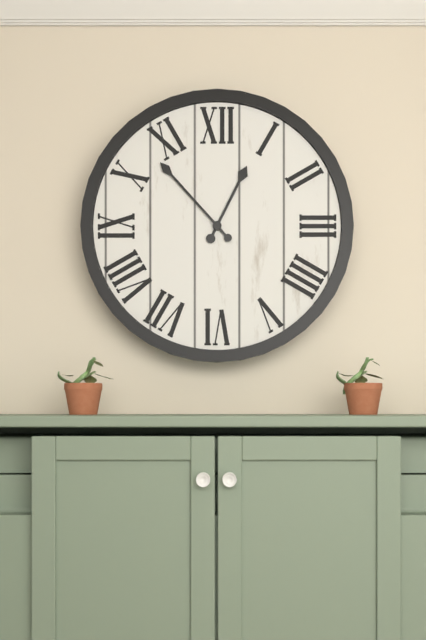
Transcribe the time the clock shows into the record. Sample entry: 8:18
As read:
12:53
